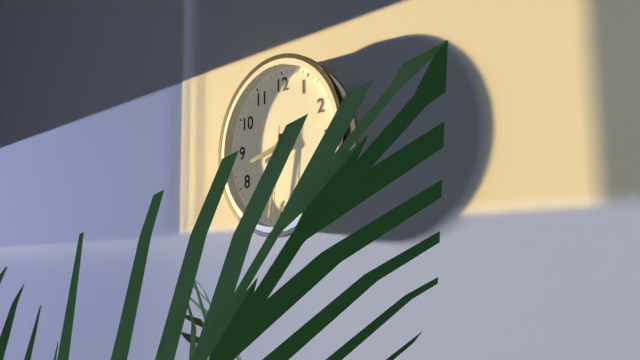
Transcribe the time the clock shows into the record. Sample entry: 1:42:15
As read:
8:32:31
